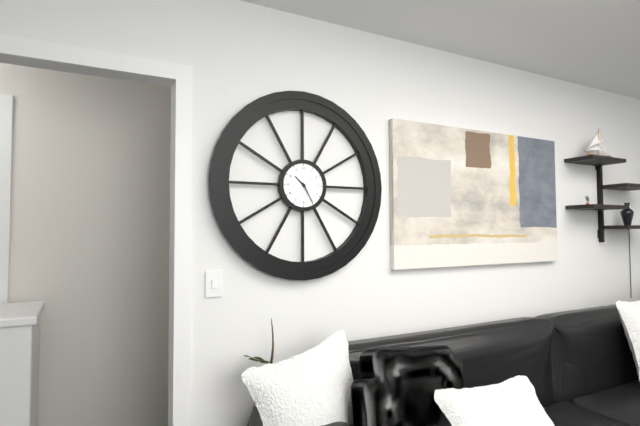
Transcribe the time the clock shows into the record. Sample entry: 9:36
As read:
10:25
